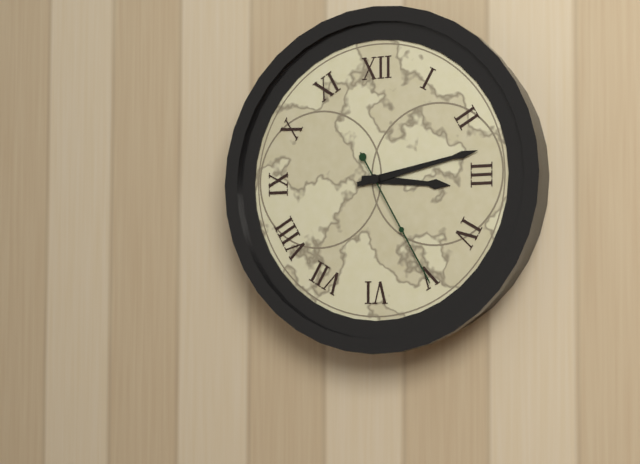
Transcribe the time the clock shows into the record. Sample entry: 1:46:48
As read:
3:13:25
